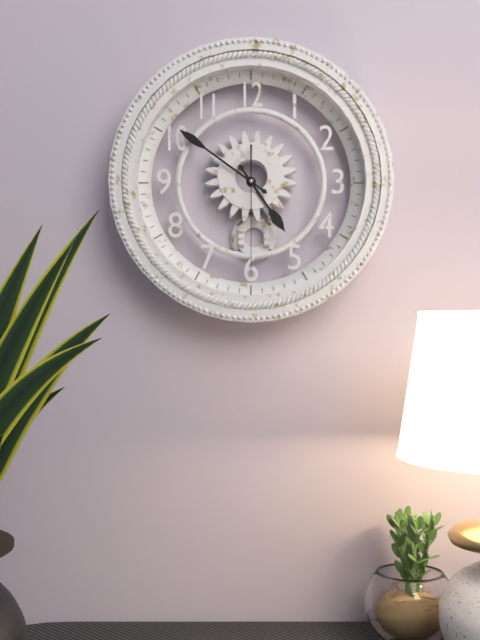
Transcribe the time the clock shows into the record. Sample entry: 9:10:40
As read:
4:51:30
